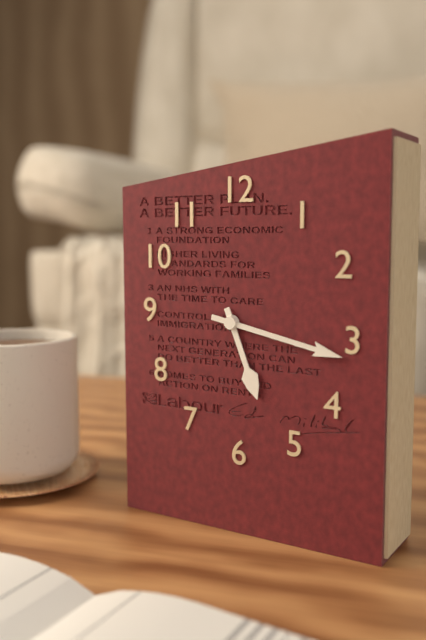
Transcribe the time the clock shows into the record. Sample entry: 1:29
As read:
5:17
